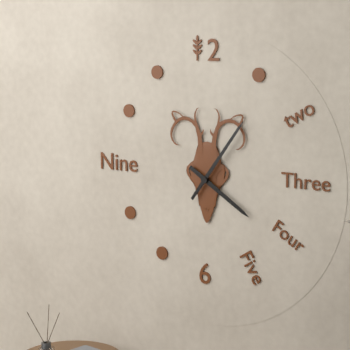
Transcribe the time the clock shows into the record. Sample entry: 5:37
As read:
4:06
